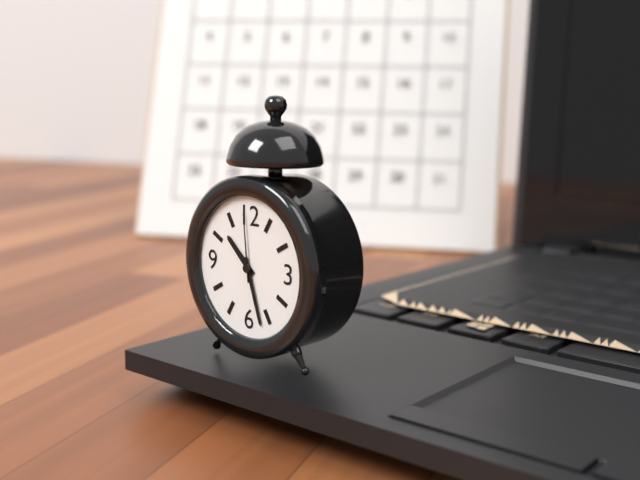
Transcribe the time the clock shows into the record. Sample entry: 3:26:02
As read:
10:27:59
